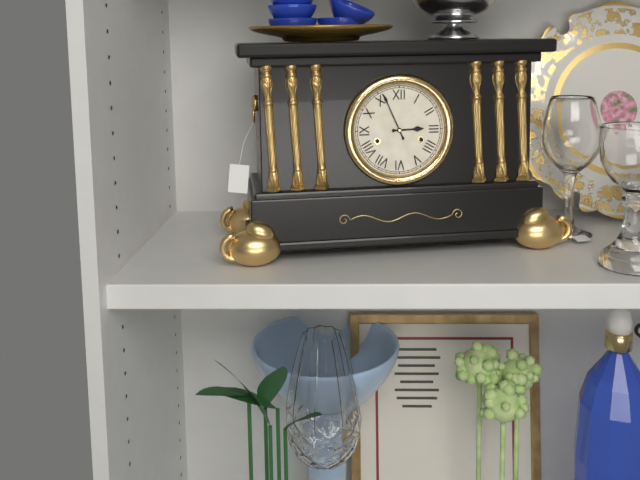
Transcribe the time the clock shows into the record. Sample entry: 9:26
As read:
2:56
